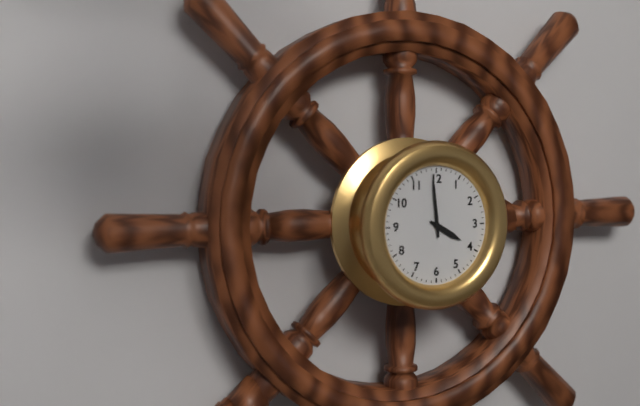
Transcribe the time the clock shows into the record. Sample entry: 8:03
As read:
3:59
